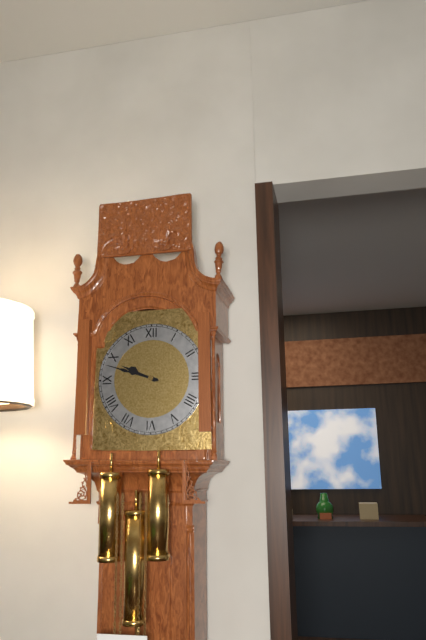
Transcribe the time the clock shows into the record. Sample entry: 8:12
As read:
9:48
